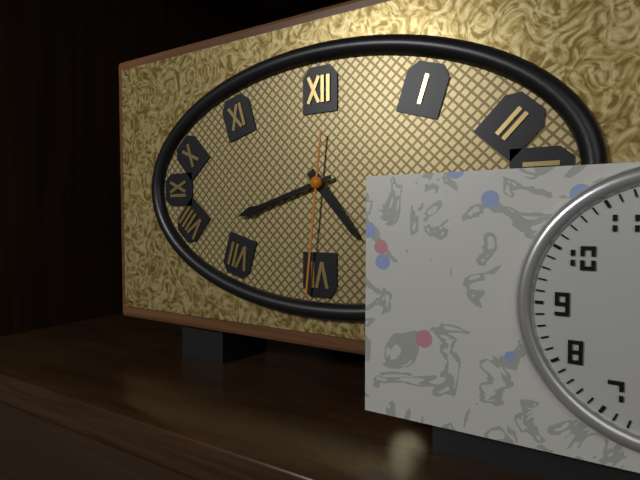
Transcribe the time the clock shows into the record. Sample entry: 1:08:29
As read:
4:42:31
